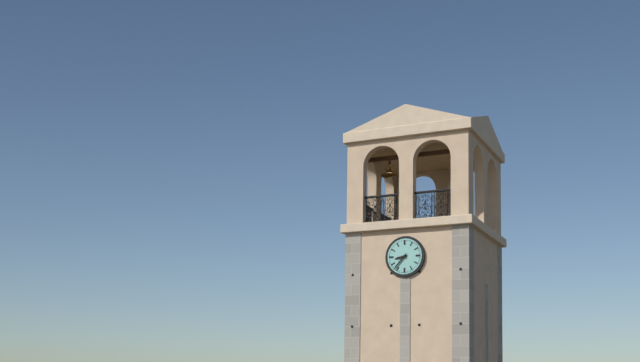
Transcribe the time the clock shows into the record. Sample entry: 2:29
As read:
8:37
